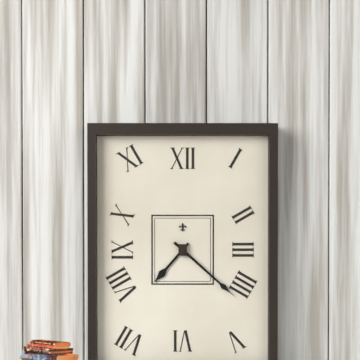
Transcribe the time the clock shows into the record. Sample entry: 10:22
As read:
7:22
